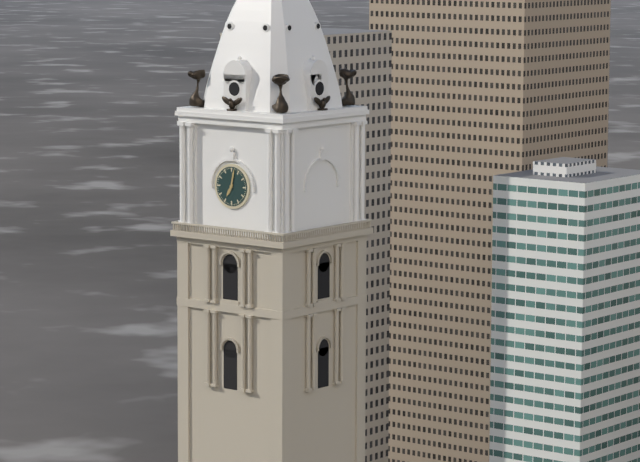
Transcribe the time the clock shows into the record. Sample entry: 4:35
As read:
7:02
